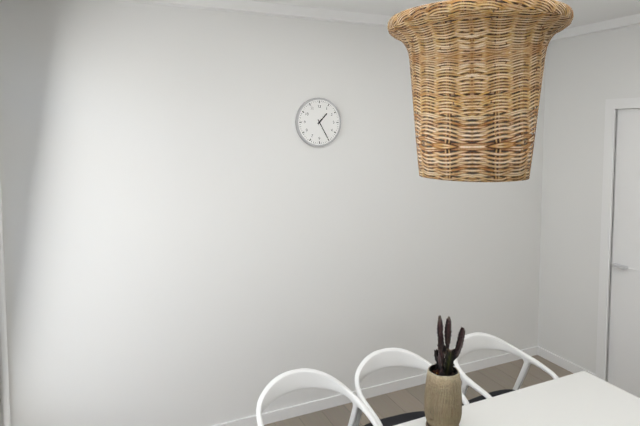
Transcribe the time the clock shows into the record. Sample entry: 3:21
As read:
1:25
